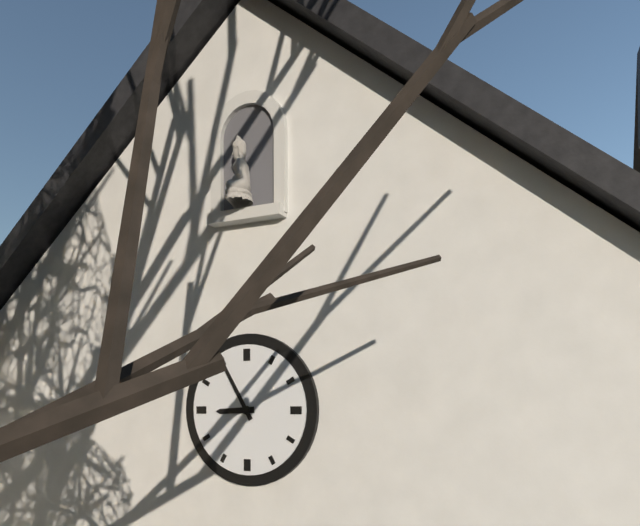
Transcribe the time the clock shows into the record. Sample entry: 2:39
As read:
8:55
